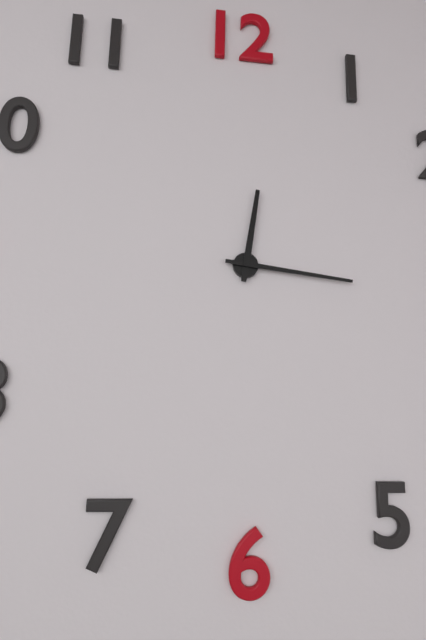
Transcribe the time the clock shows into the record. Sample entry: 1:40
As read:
12:16
